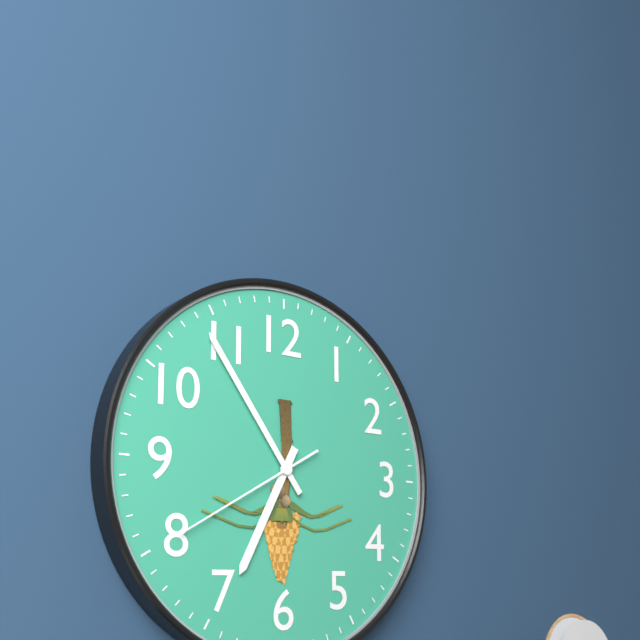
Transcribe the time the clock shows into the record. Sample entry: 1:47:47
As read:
6:54:40
